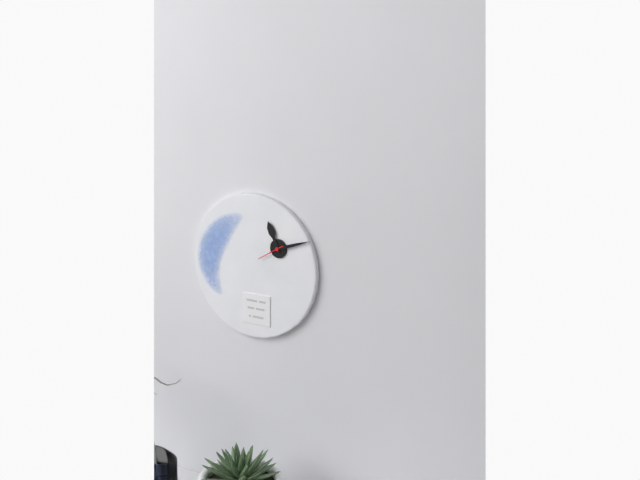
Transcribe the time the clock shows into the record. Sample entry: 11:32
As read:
11:12
